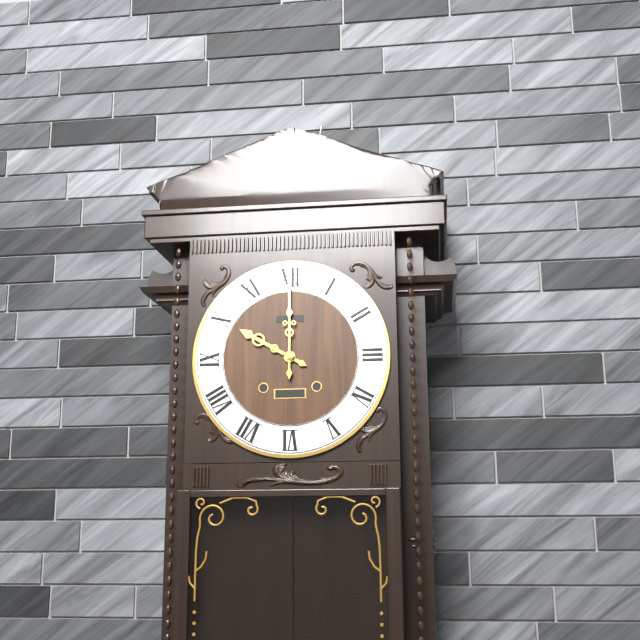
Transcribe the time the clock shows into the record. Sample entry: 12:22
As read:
10:00
